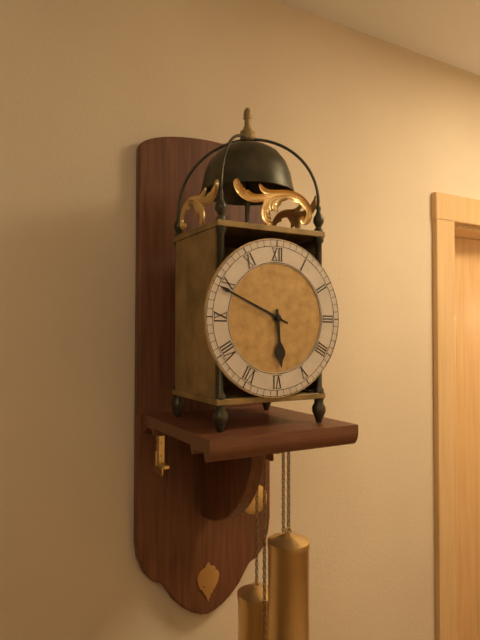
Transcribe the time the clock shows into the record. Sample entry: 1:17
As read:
5:49
